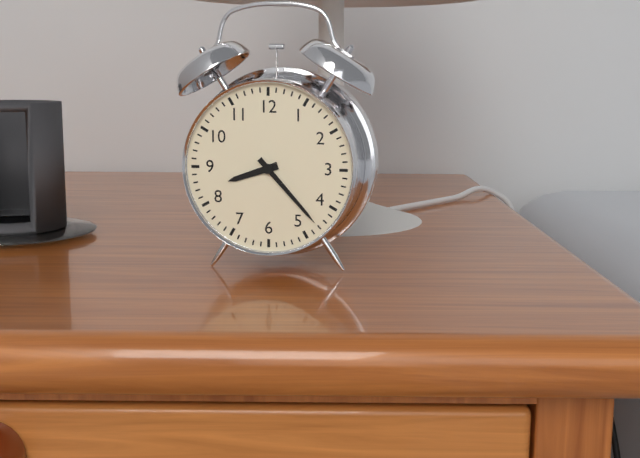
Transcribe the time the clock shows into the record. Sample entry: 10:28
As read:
8:23
